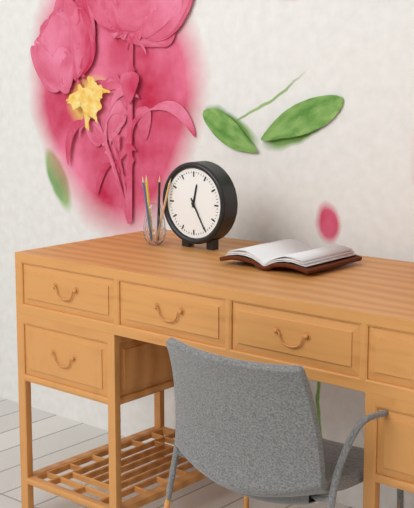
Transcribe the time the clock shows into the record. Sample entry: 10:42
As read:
12:25
